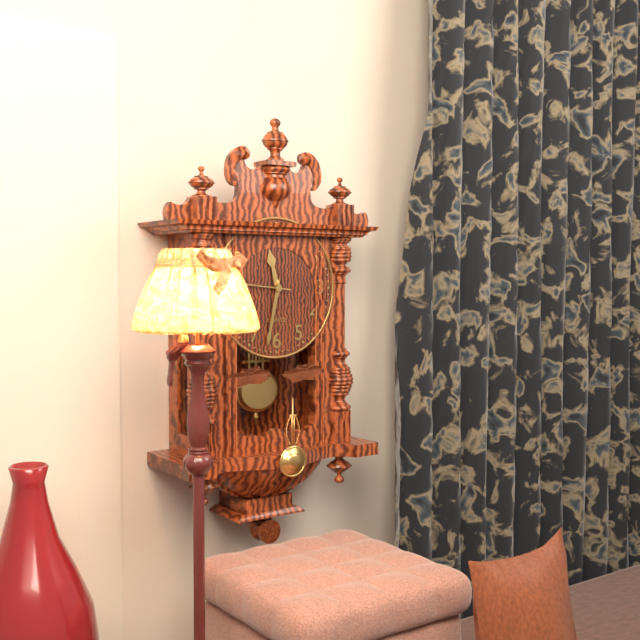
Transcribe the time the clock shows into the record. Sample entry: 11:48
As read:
11:32
